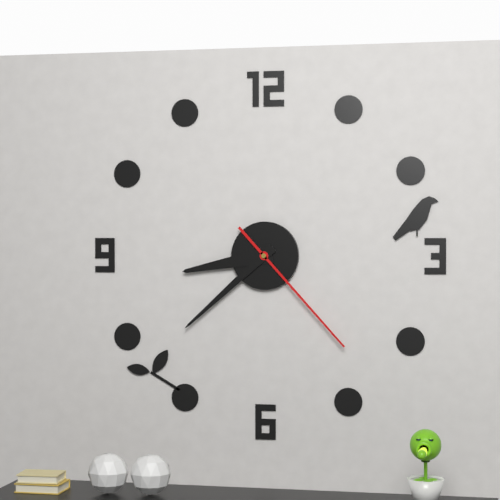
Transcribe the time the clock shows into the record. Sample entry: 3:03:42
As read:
8:38:23
